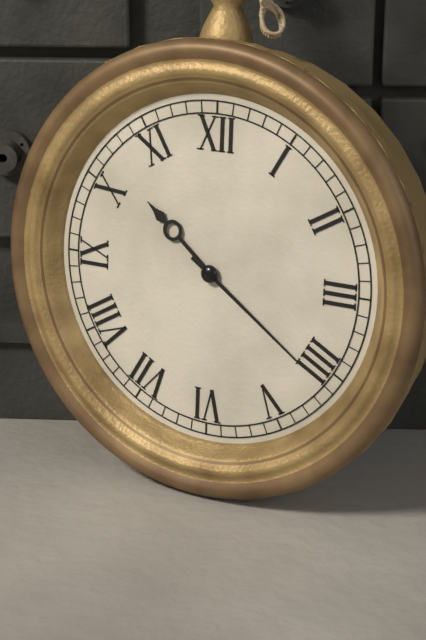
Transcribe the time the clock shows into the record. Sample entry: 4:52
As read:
10:21
